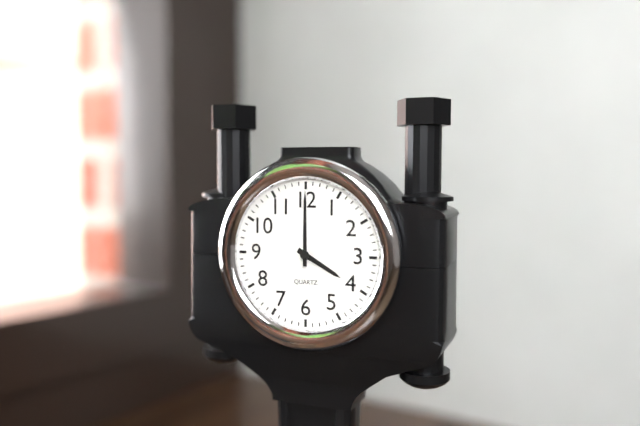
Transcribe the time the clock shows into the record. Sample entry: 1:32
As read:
4:00
